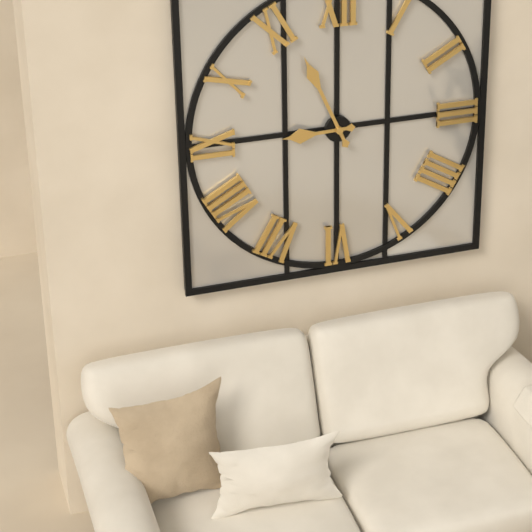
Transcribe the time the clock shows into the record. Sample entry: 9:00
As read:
8:56
